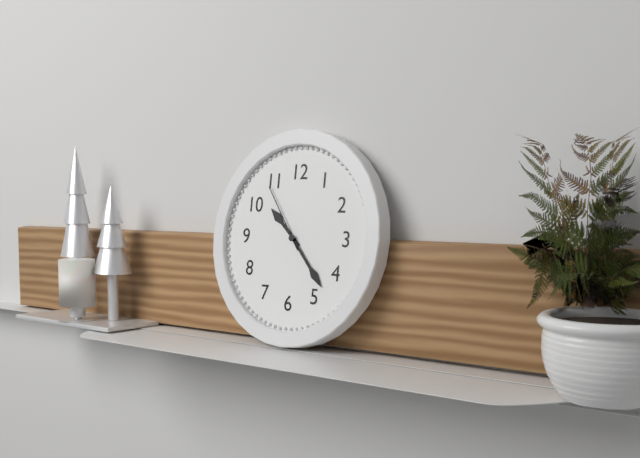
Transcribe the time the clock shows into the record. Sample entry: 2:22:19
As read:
10:23:54
